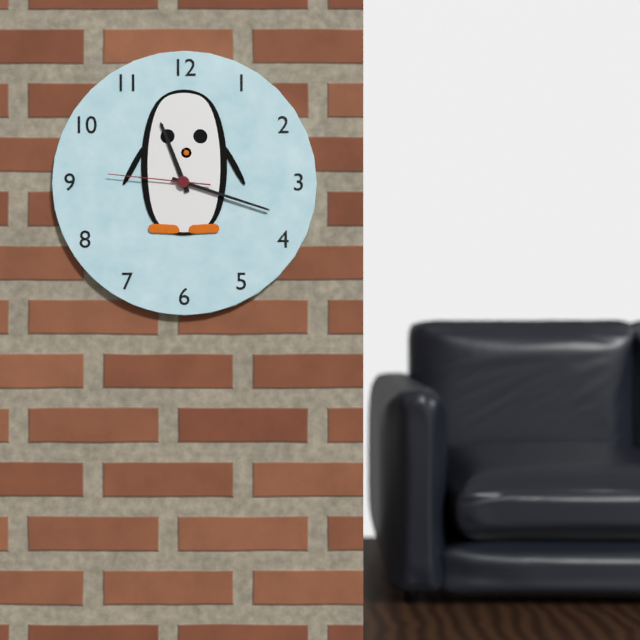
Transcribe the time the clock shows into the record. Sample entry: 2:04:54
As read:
11:18:46
